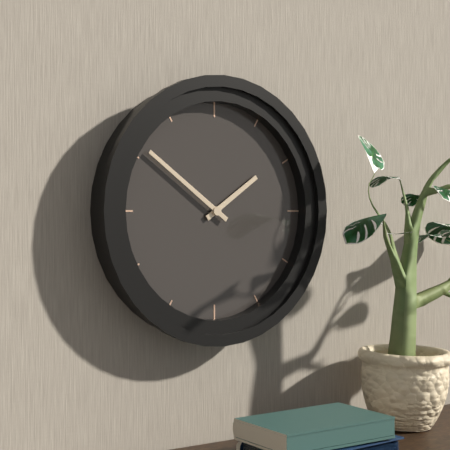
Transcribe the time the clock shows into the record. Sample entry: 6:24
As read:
1:51
